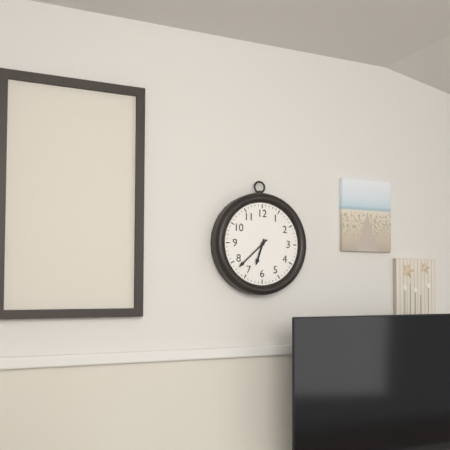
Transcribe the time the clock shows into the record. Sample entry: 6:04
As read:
6:38
